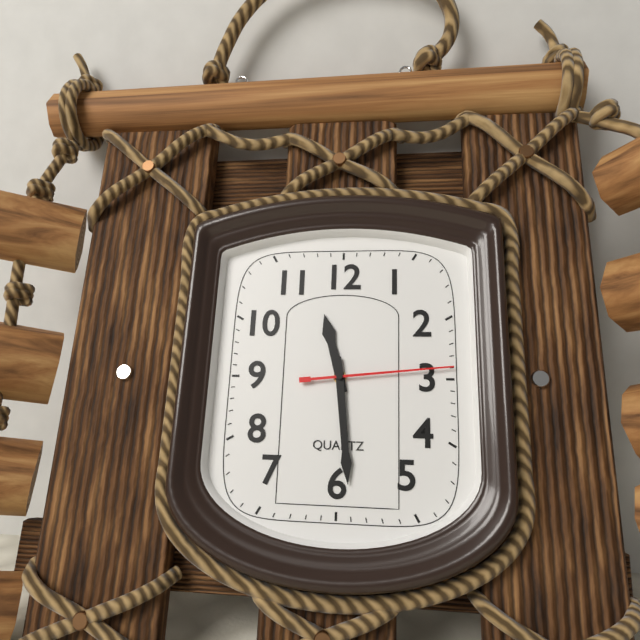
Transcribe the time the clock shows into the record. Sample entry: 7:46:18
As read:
11:29:14
